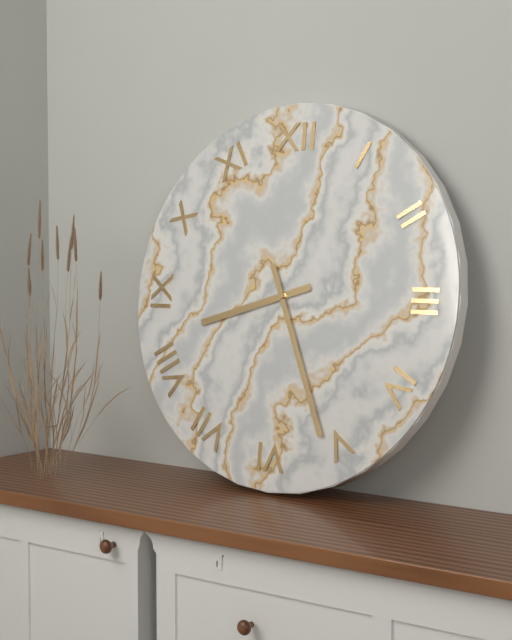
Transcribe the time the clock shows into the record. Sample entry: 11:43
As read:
8:26
